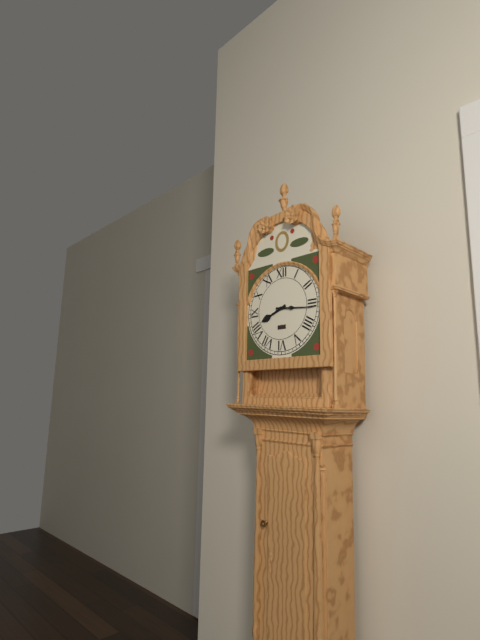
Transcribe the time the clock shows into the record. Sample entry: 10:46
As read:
8:16
